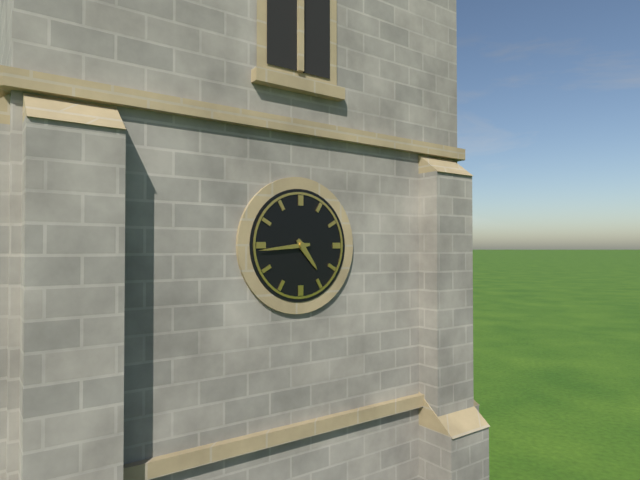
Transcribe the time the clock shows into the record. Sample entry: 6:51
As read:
4:44
